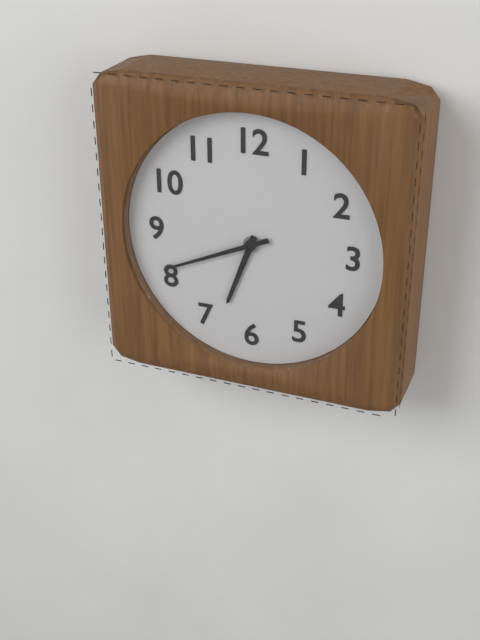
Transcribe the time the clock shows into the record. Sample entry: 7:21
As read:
6:41
